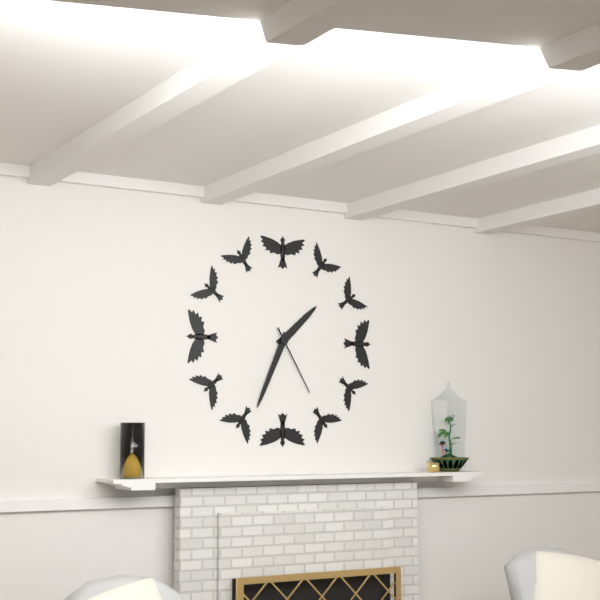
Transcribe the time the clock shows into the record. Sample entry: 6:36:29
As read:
1:34:25
